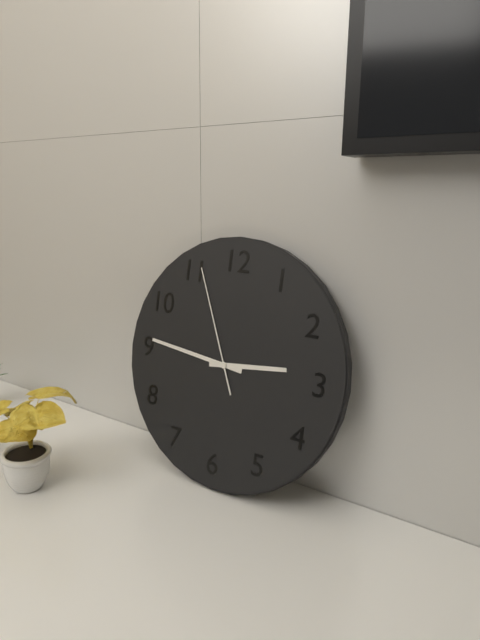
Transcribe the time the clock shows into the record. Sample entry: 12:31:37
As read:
2:46:56
